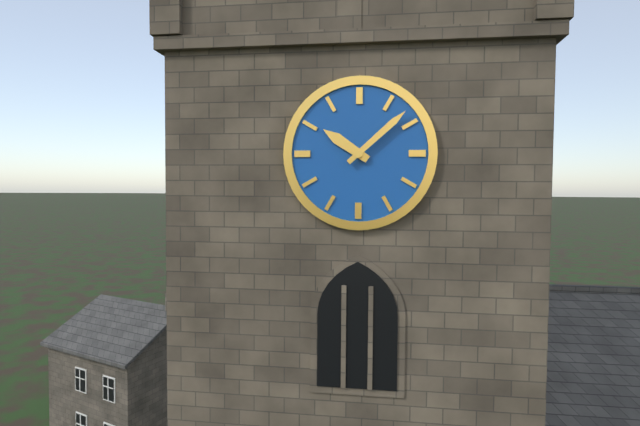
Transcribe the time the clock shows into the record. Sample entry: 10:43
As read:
10:08
